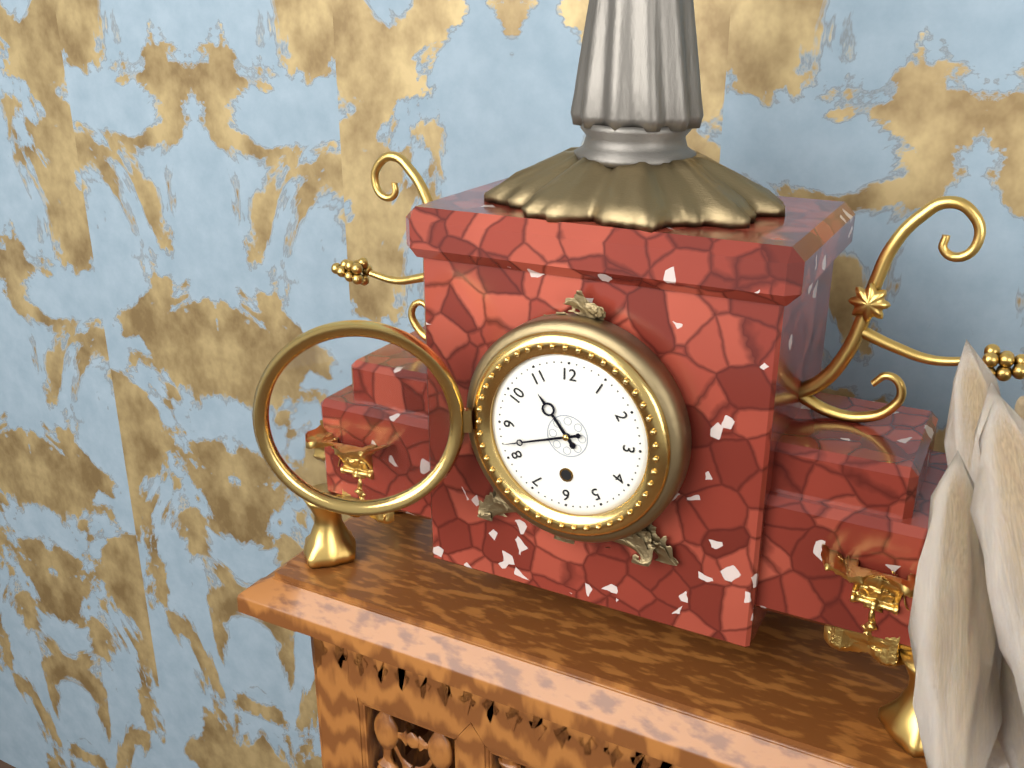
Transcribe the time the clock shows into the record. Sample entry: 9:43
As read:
10:42
